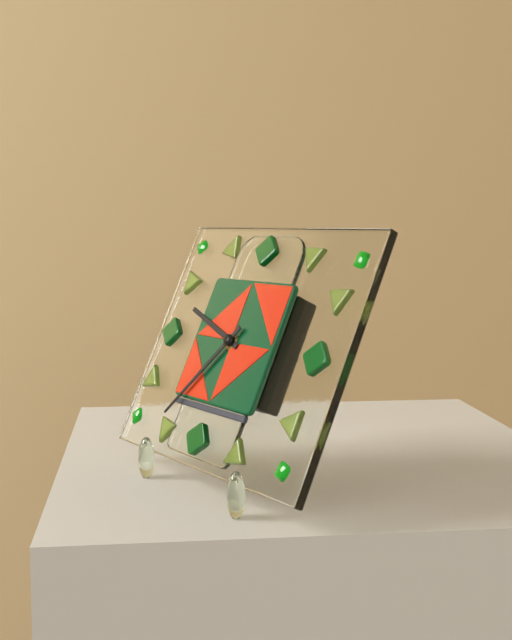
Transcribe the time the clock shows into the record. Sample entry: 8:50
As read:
9:36
